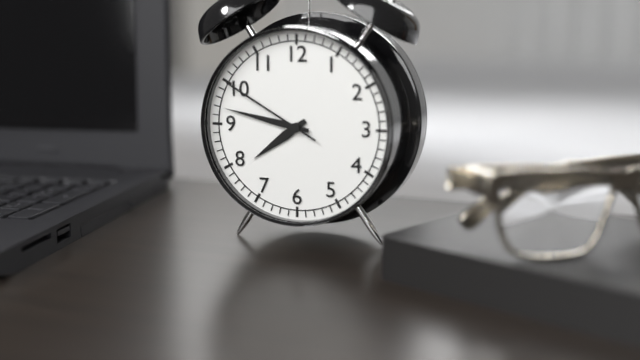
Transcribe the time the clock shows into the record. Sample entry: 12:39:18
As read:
7:47:50
